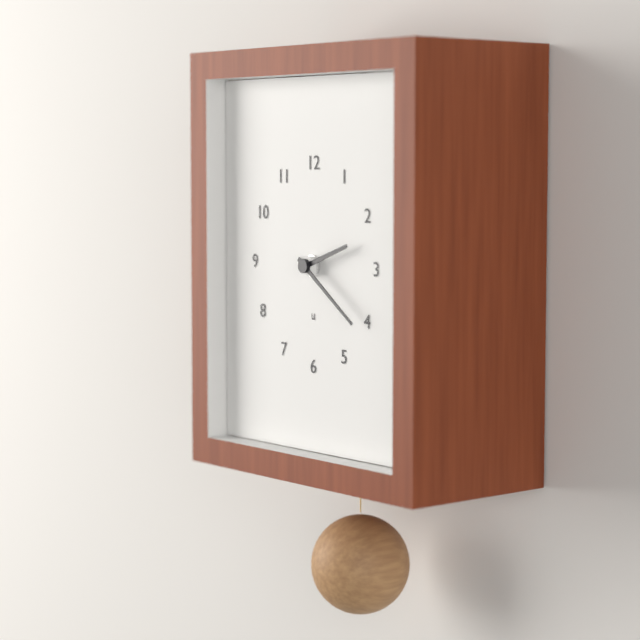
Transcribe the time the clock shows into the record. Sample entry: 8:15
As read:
2:21
